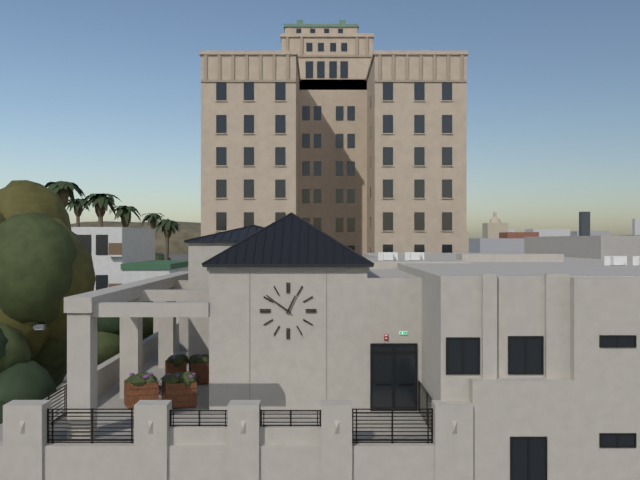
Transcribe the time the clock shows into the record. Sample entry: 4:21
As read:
12:51
